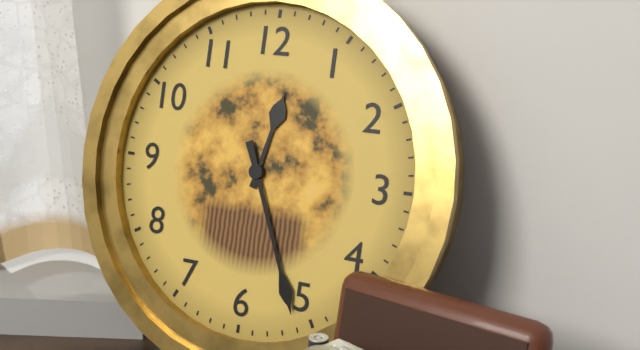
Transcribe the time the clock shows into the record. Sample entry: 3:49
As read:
12:26
